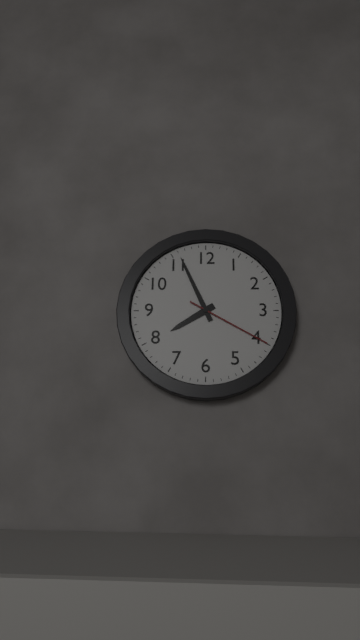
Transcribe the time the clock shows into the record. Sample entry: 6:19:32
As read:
7:56:20
